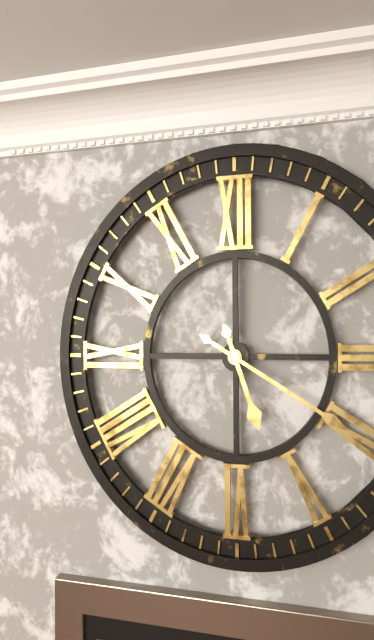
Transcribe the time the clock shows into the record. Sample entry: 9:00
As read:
5:20
